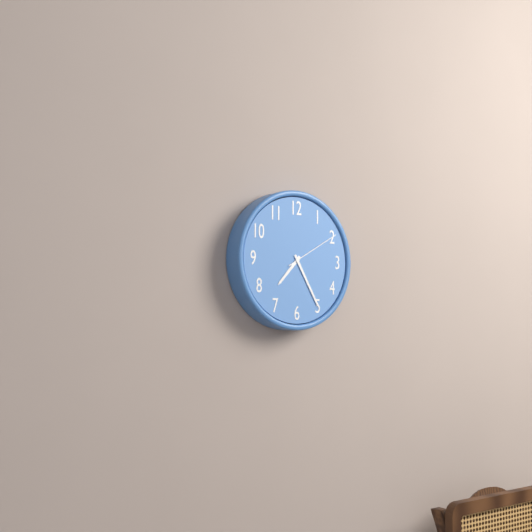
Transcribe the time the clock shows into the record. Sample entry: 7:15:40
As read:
7:25:10
